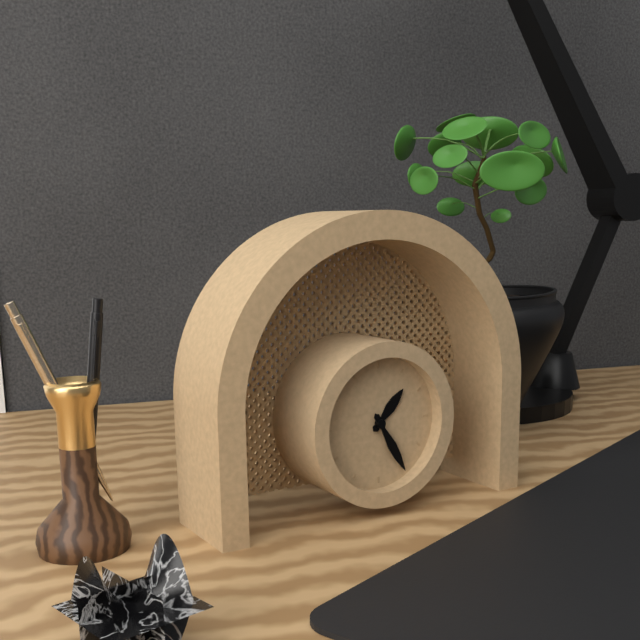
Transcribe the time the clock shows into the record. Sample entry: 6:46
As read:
1:25
